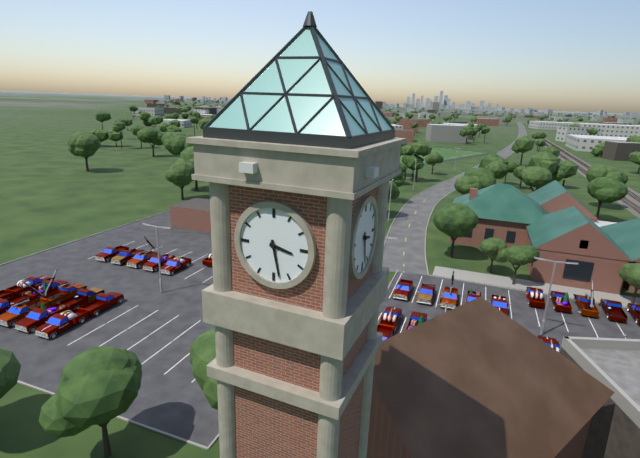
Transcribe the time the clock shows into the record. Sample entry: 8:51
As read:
3:28
